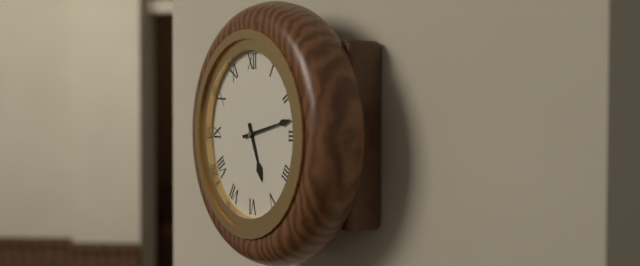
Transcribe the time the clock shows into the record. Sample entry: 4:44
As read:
5:13
